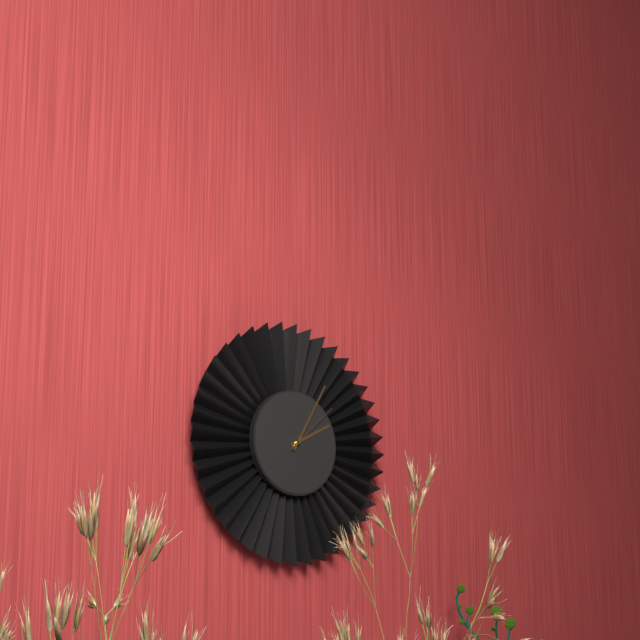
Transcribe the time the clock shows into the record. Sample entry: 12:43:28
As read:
2:05:08
